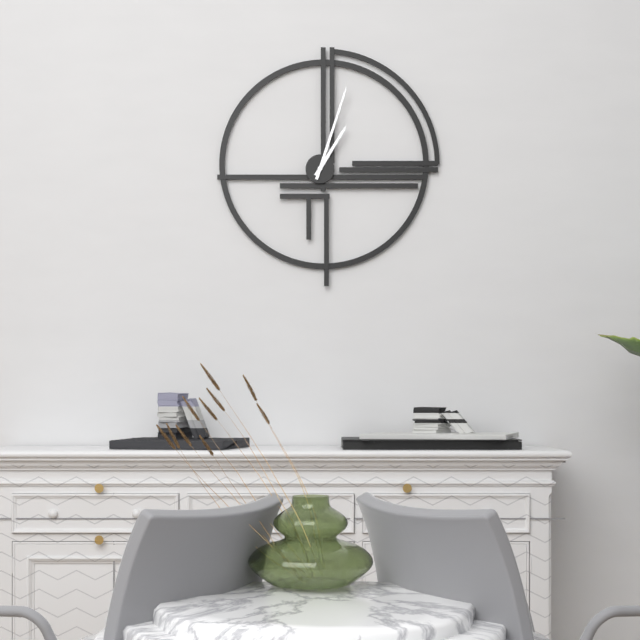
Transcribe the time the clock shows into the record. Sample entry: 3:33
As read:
1:03
